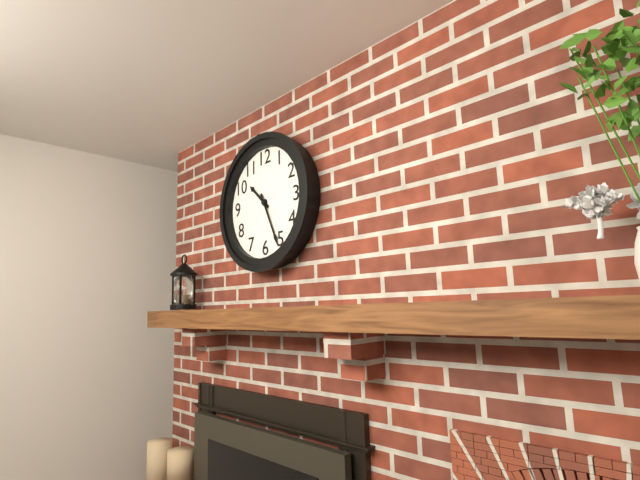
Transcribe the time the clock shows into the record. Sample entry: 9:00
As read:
10:26
